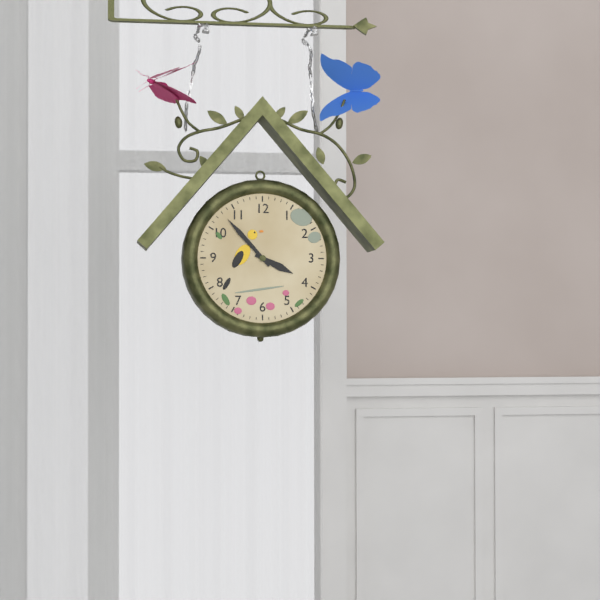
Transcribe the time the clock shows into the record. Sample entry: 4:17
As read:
3:53
